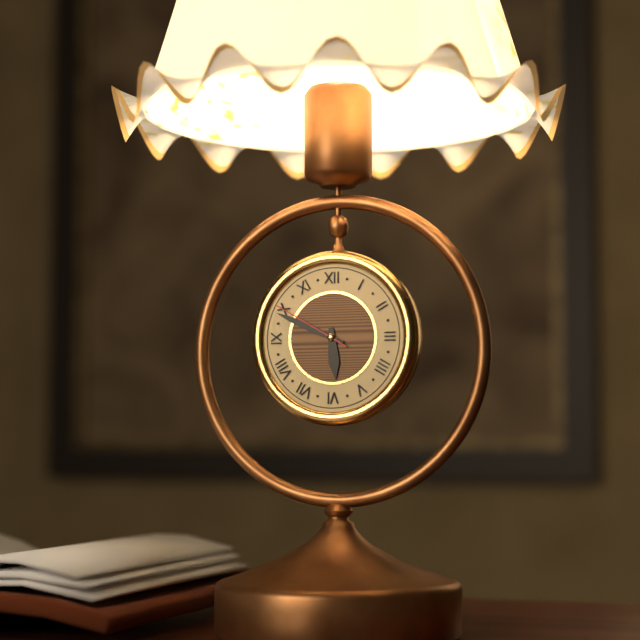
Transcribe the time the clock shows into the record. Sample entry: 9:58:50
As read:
5:49:50
